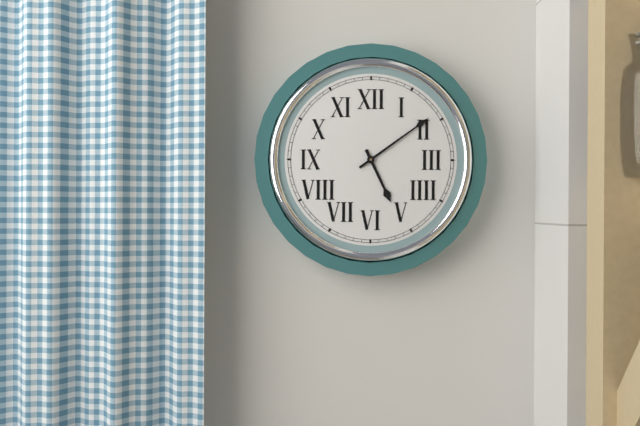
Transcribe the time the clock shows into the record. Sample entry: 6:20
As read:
5:09
